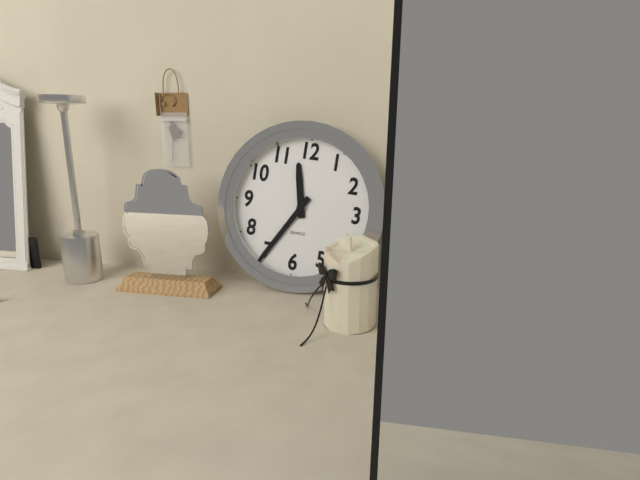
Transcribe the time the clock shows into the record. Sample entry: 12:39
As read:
11:35
